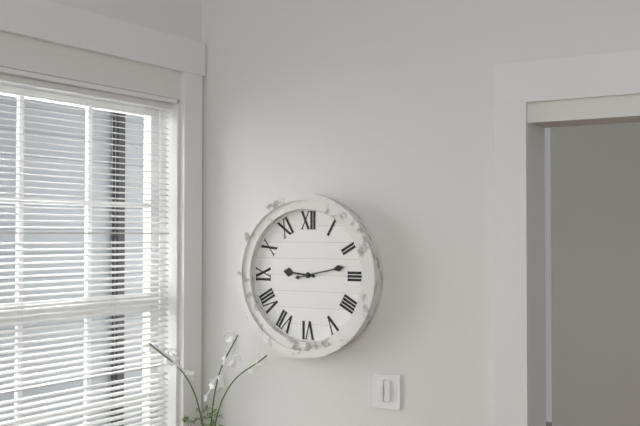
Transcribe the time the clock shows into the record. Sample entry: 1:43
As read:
9:13
